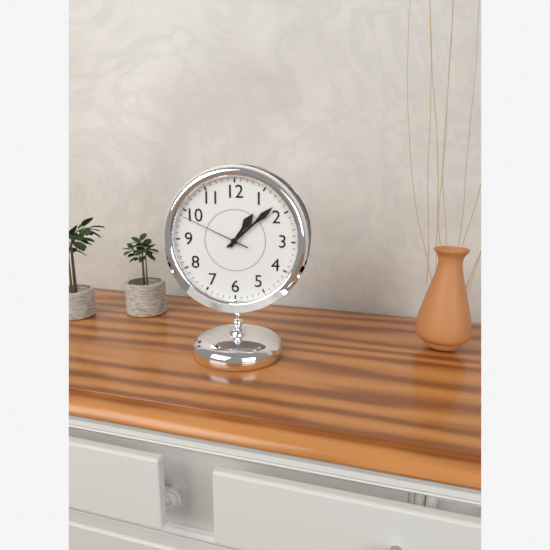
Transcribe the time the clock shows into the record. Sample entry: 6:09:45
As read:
1:08:49
